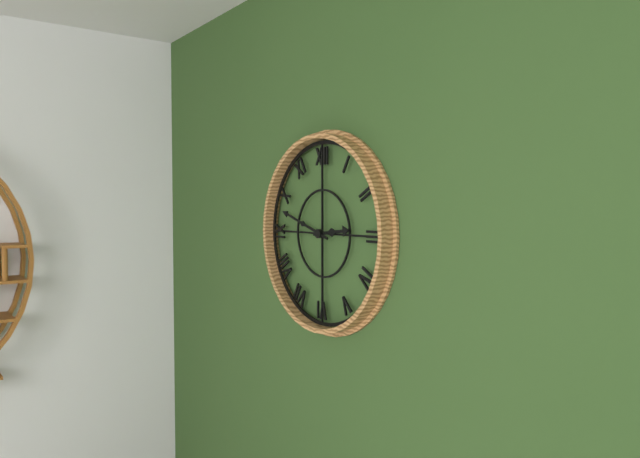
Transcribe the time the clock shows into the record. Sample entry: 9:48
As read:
2:48
